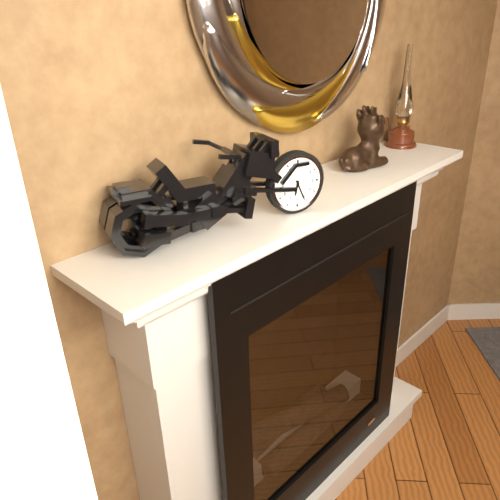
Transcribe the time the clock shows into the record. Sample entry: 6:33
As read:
6:26
